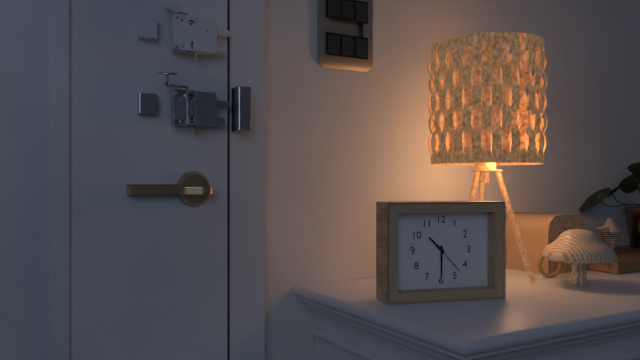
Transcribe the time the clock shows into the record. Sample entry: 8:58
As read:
10:30
